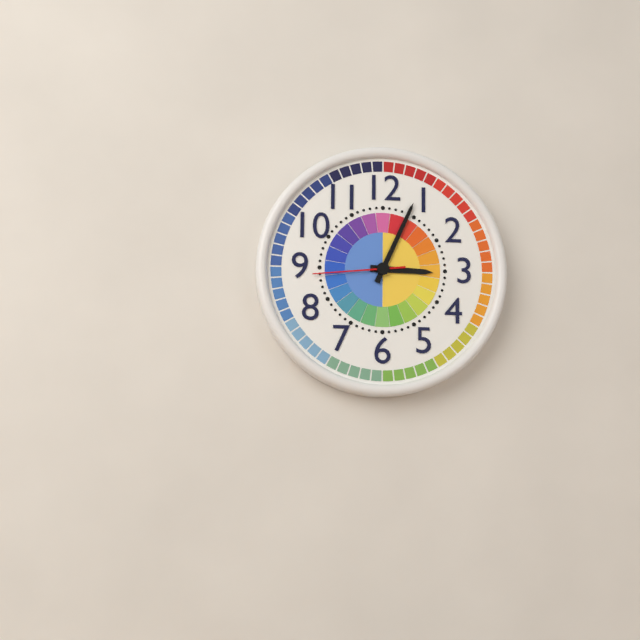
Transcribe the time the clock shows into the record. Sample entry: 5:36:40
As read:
3:04:44
